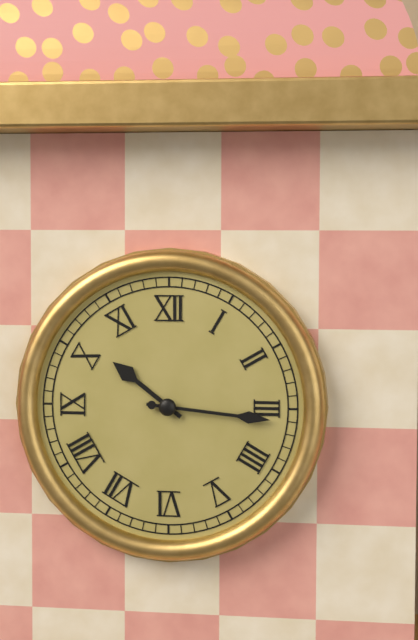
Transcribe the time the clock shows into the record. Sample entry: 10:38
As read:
10:16
